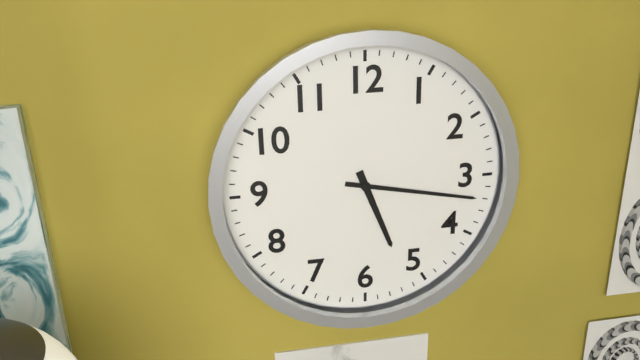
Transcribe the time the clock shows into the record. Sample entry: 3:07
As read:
5:17
